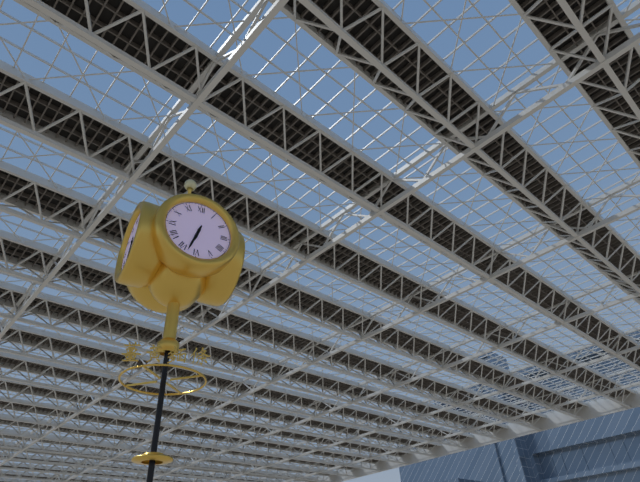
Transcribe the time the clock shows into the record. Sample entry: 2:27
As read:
6:33
